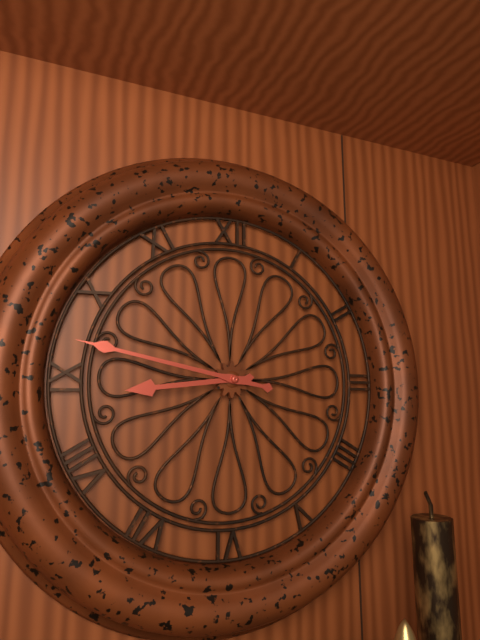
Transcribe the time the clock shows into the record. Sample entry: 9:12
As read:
8:47
